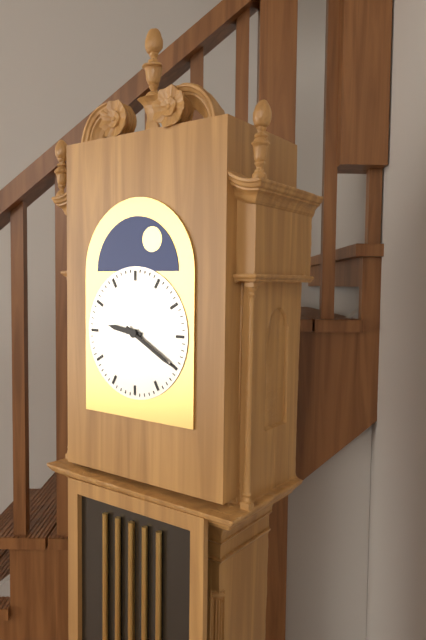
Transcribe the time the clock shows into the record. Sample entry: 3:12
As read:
9:20
